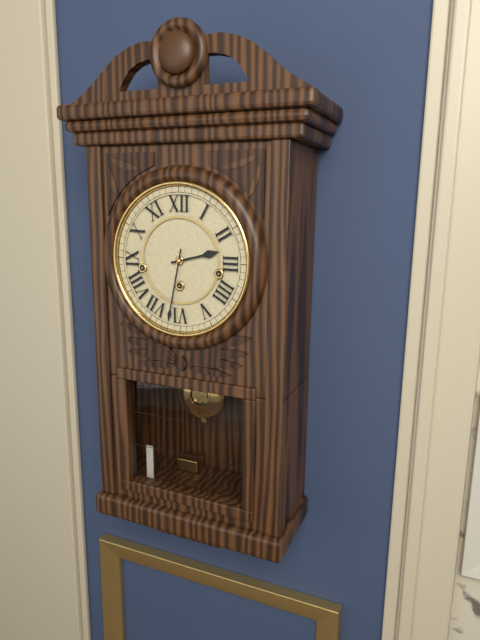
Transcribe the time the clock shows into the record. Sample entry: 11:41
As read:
2:32
